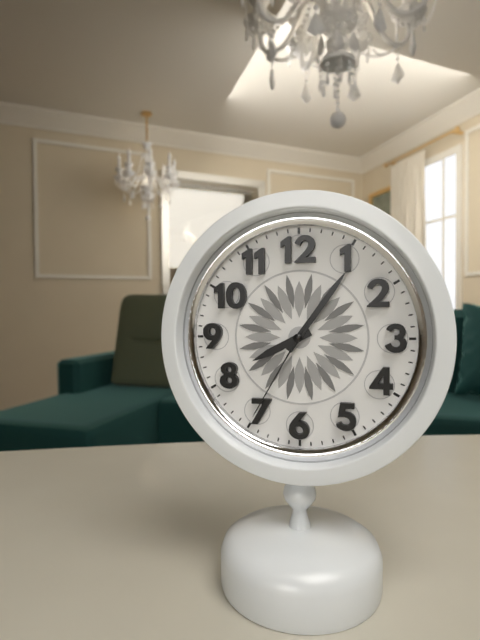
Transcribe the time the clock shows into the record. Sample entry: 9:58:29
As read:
8:06:35
